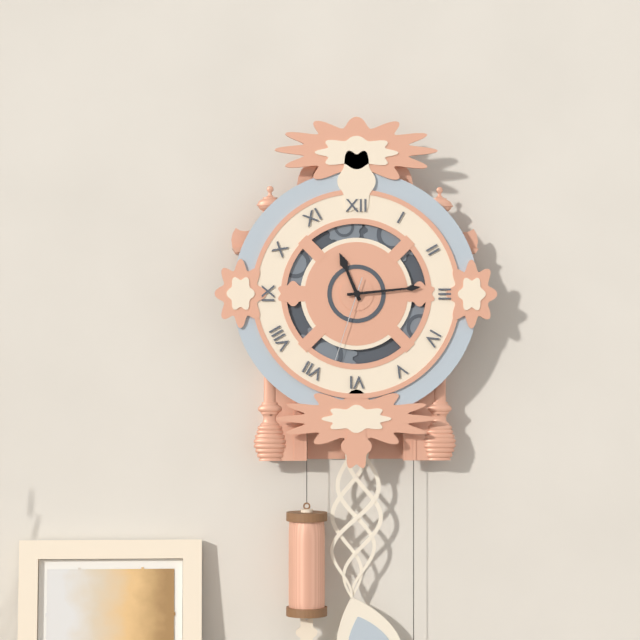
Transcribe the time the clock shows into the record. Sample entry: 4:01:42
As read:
11:14:33
